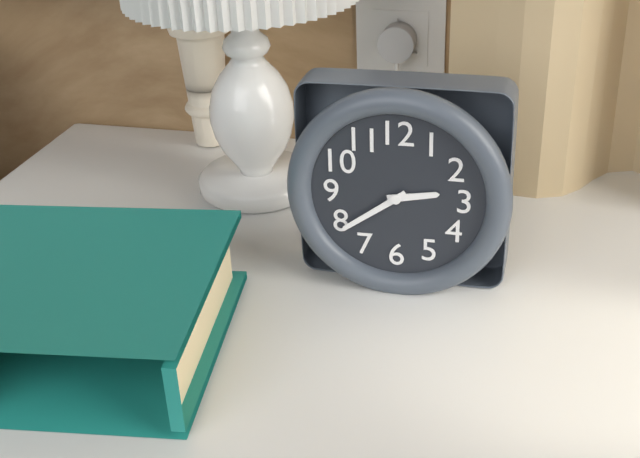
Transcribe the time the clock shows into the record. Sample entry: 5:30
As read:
2:39
